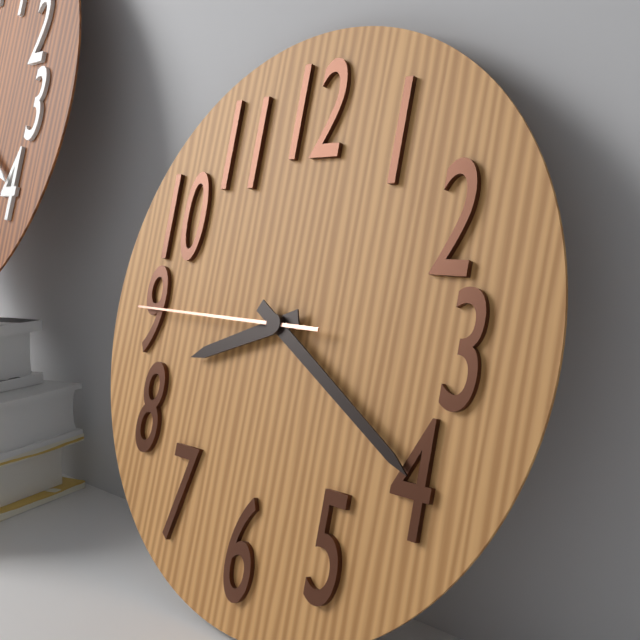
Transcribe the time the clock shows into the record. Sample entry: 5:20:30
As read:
8:20:45
